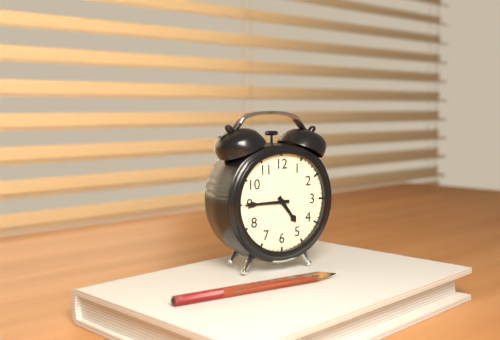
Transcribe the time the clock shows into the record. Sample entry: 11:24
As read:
4:45
